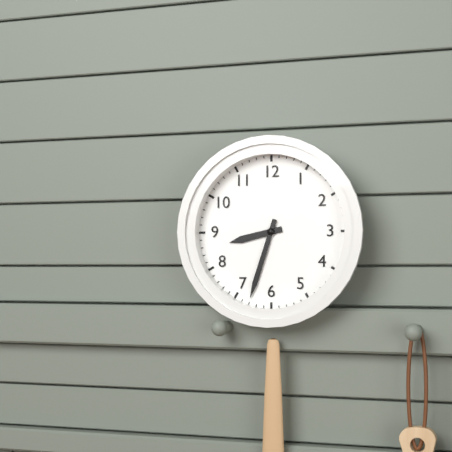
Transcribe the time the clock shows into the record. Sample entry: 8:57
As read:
8:33
